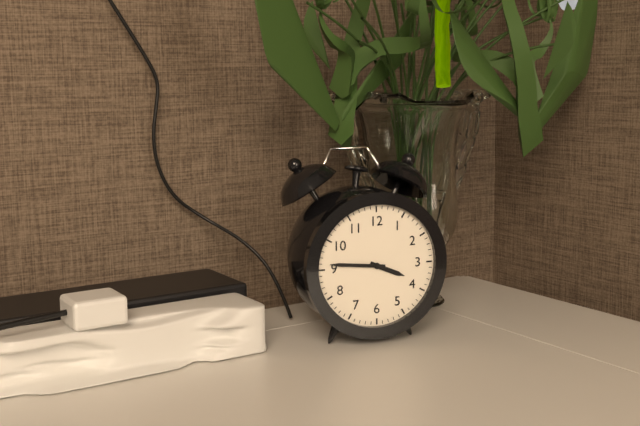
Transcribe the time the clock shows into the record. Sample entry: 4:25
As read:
3:46
